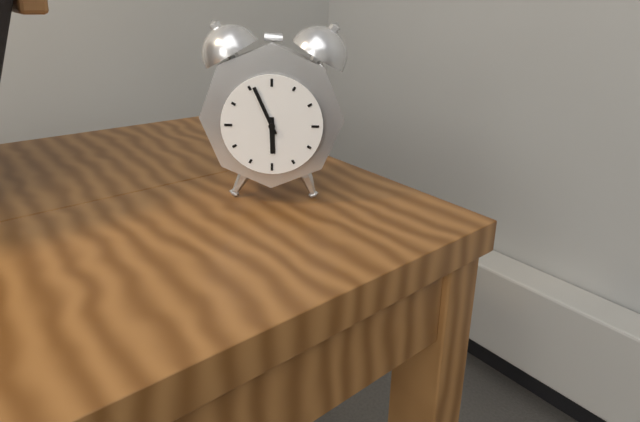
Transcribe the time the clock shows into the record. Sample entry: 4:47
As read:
5:56
